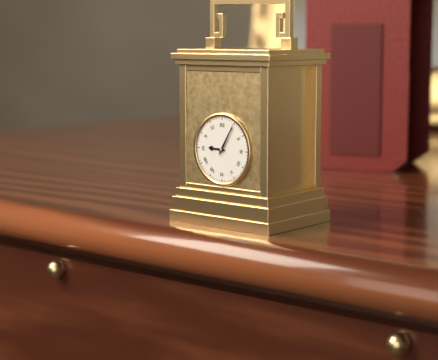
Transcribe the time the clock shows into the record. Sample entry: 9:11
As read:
9:05
